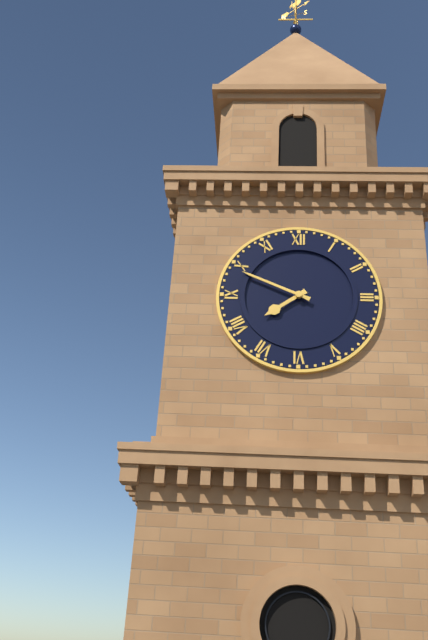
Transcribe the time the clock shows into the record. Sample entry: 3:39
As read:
7:49
